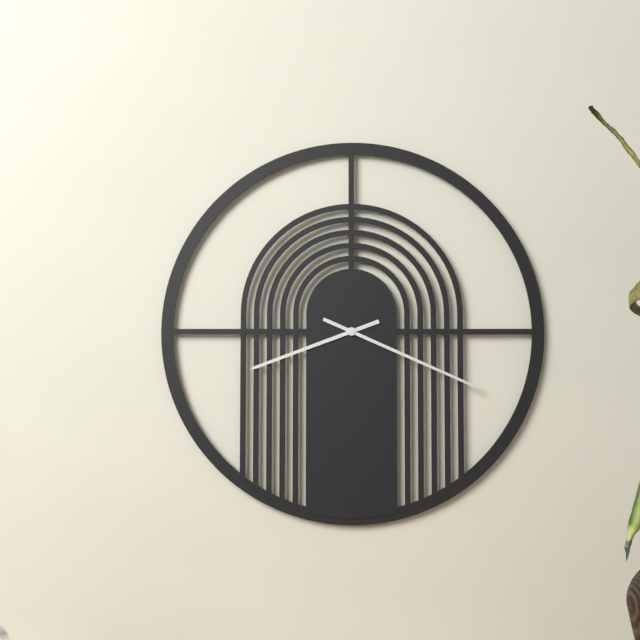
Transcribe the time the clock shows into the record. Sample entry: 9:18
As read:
8:19
